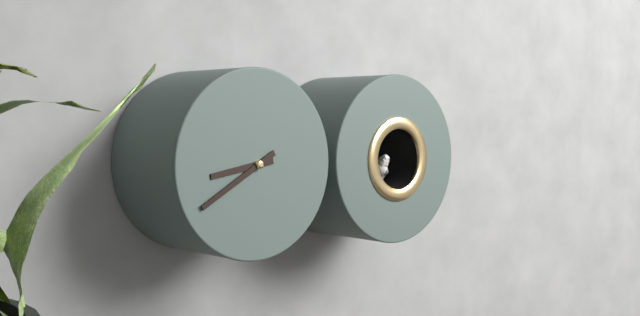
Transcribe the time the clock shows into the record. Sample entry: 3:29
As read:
8:40
